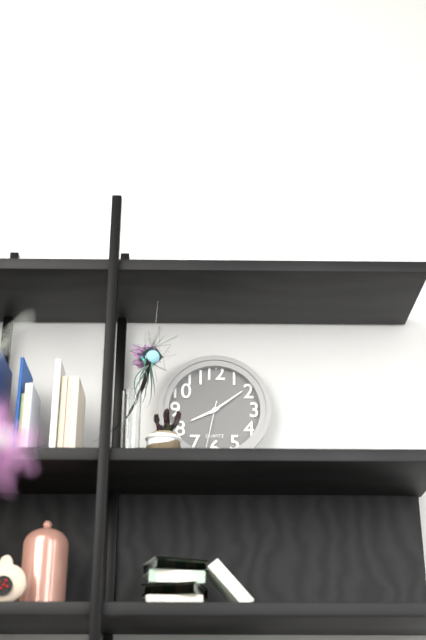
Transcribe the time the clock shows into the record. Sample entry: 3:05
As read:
8:09
